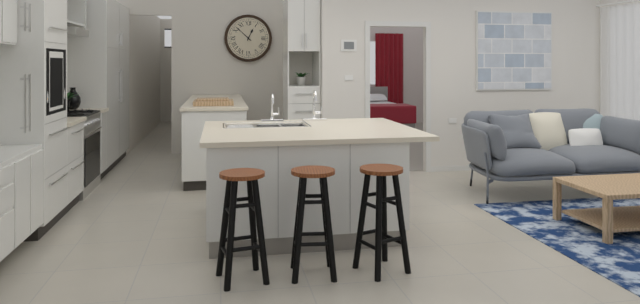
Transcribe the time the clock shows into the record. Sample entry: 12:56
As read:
12:52
